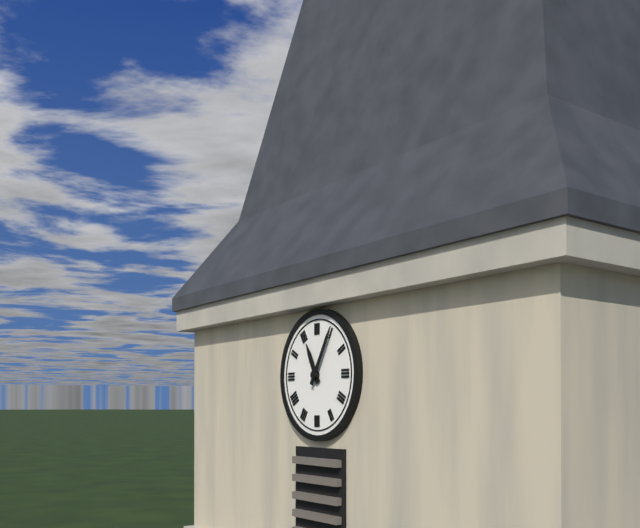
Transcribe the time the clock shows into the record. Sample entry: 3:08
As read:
11:05
